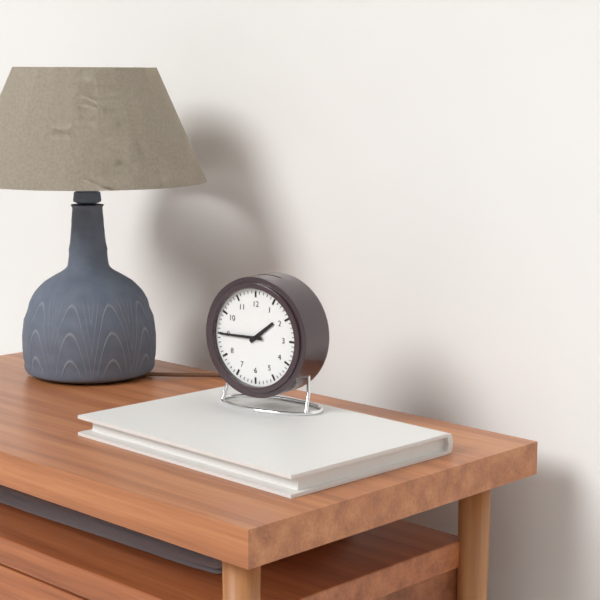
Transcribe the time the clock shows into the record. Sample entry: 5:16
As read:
1:45
